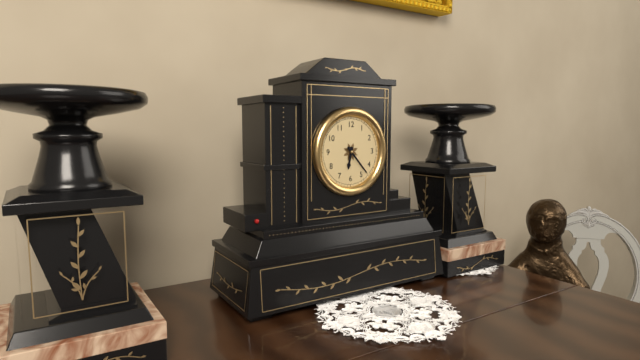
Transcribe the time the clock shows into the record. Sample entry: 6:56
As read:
6:23
